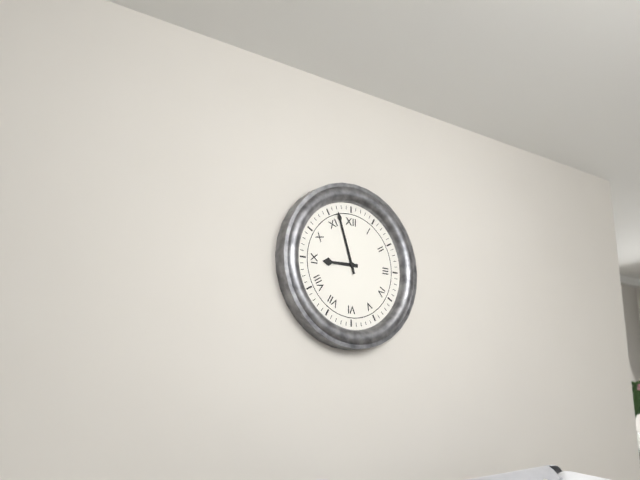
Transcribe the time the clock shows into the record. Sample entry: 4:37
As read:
8:57
